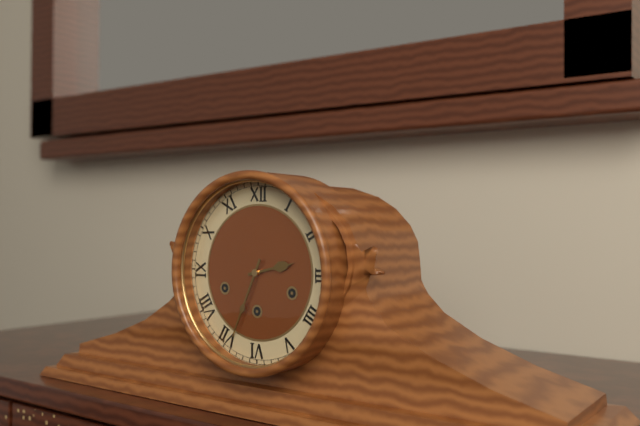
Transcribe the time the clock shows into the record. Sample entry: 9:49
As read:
2:34
